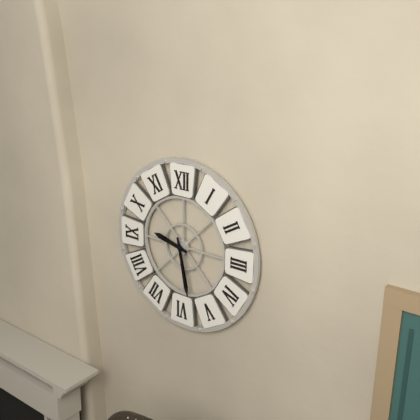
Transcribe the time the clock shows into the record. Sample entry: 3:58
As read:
9:28
